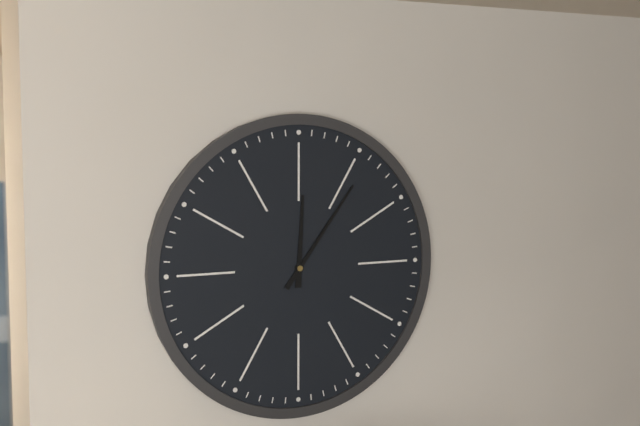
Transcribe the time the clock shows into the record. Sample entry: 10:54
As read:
12:06
